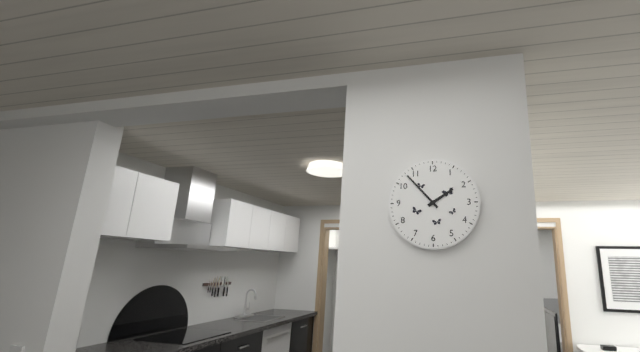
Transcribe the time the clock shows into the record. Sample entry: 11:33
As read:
1:53
